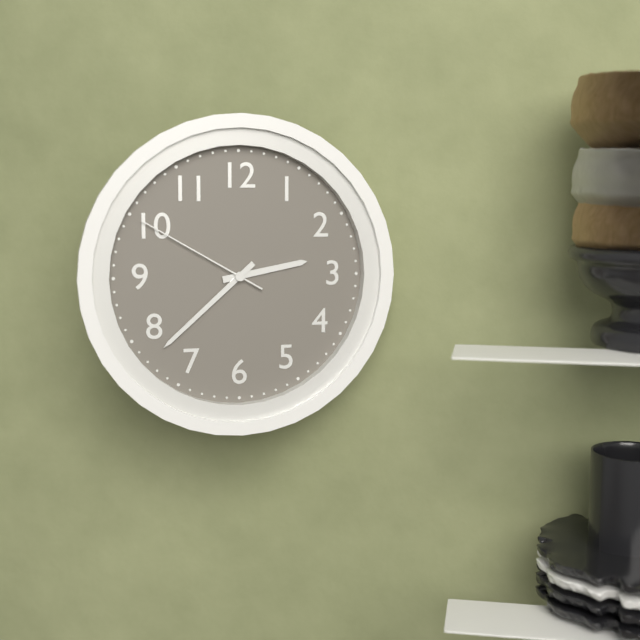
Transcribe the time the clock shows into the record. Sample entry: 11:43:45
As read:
2:38:50
